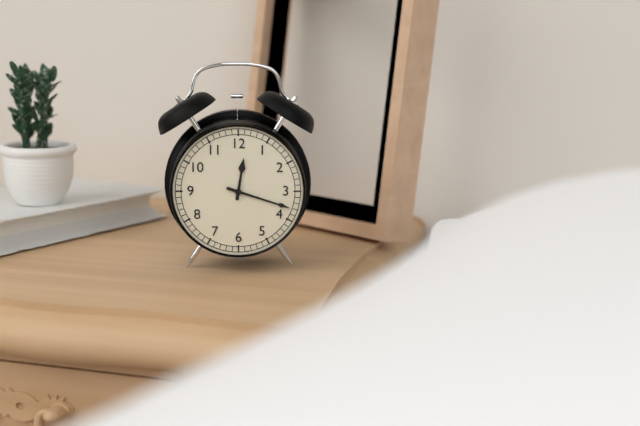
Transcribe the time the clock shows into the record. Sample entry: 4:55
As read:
12:18
